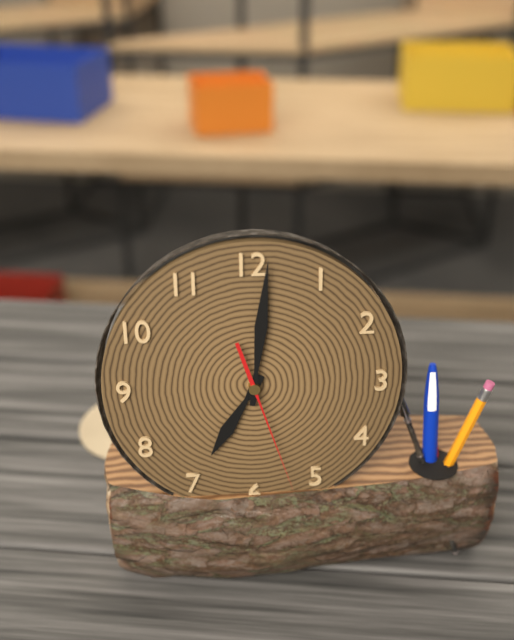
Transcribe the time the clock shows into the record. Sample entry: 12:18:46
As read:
7:01:27
